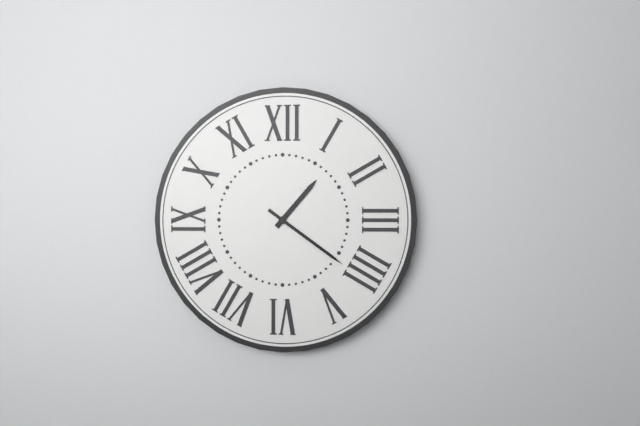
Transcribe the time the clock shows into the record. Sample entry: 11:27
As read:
1:21
